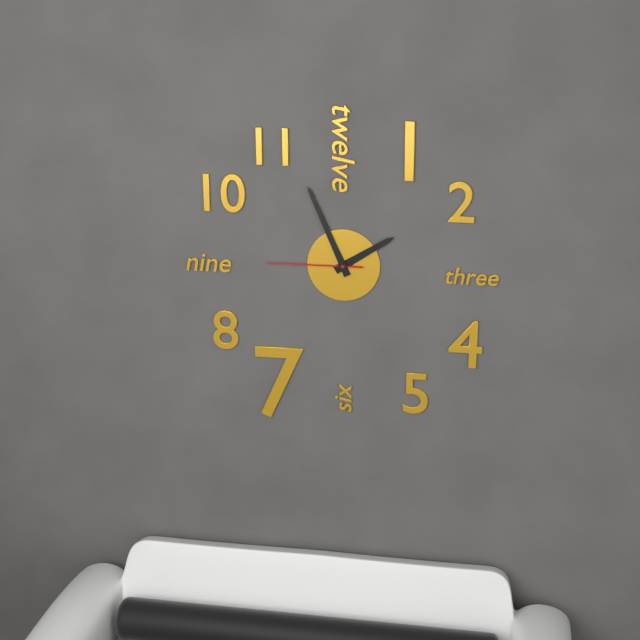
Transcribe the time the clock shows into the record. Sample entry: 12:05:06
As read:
1:56:45
